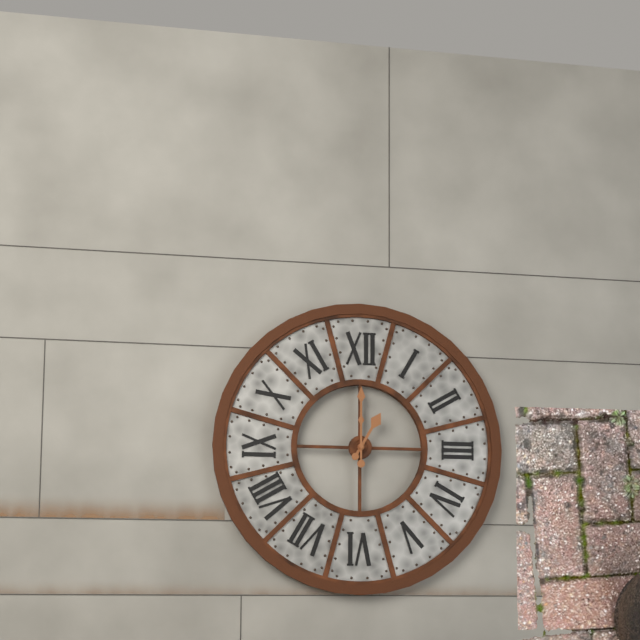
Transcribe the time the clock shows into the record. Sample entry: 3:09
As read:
1:00
